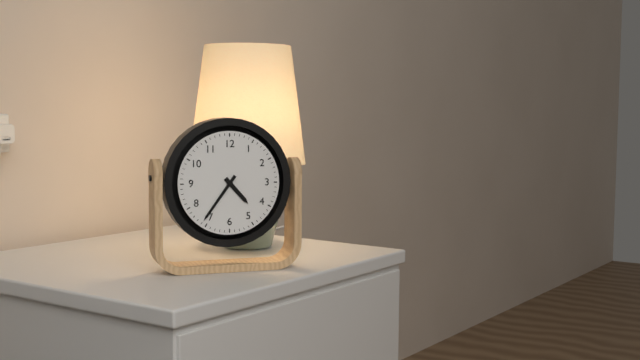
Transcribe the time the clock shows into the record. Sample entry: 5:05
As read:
4:36
